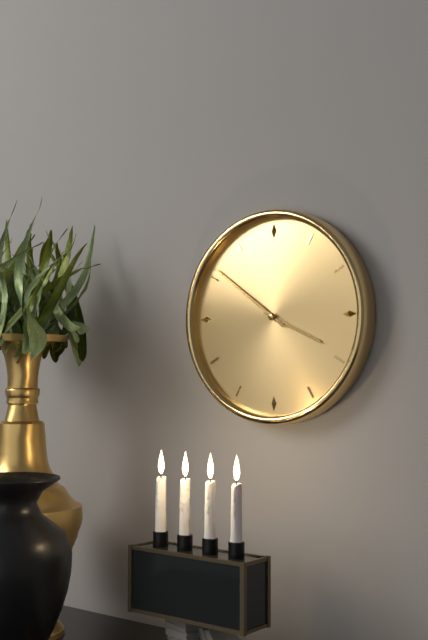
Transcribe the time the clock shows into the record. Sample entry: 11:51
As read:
3:51
